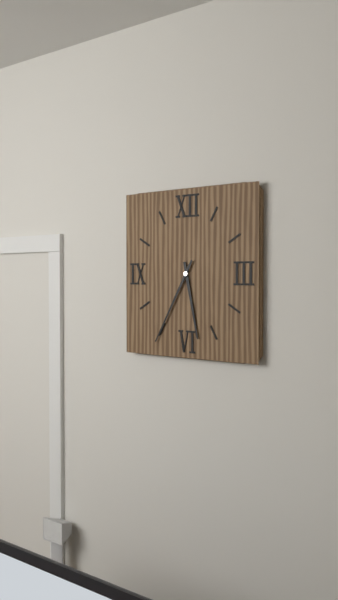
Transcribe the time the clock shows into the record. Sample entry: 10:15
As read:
5:35
